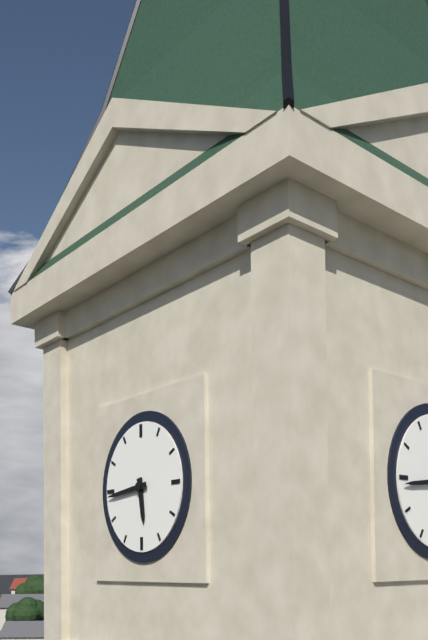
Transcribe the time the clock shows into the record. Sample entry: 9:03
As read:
5:44
